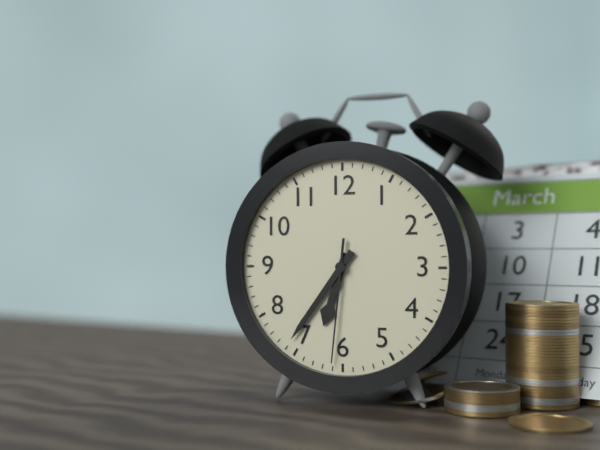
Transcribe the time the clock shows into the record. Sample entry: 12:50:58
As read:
6:36:31
